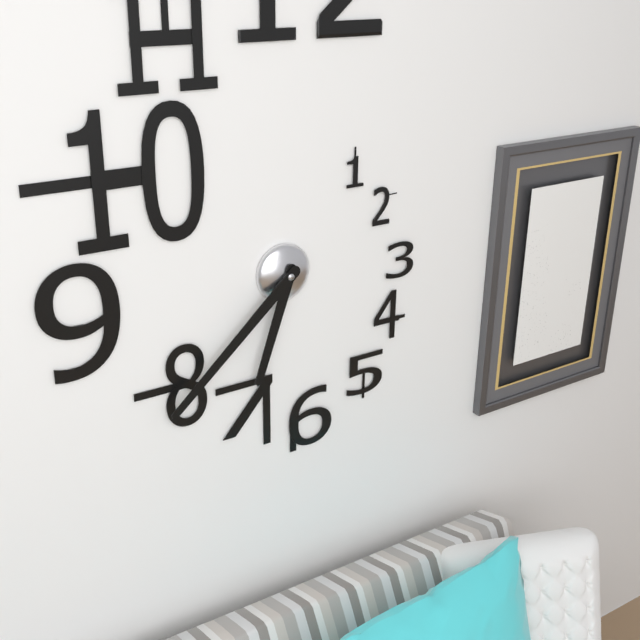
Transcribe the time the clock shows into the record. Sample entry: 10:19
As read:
6:38
